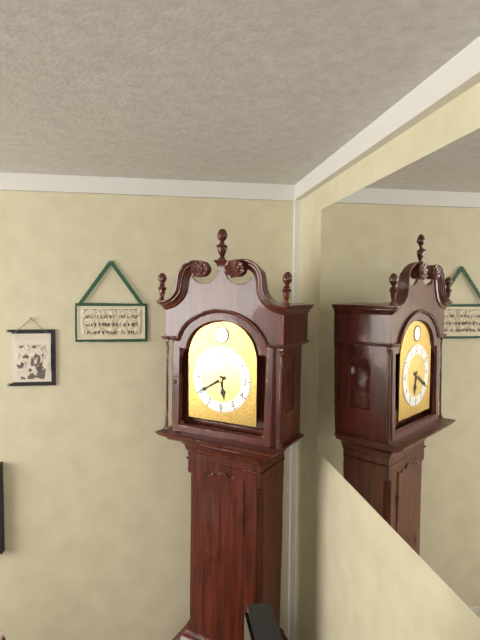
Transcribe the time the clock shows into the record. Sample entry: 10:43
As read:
5:40
